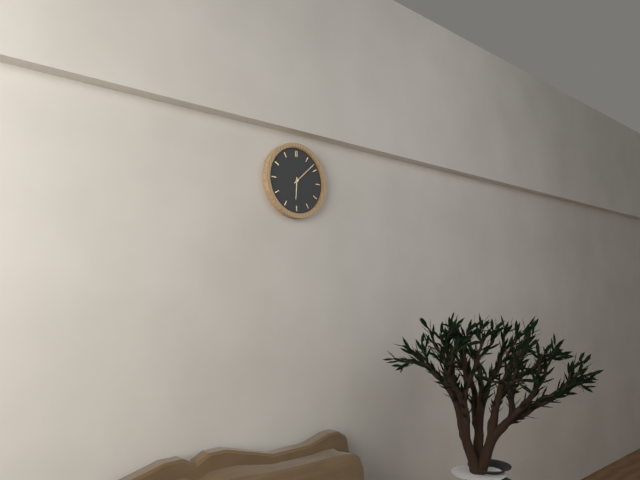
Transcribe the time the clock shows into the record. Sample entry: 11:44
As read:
6:08
